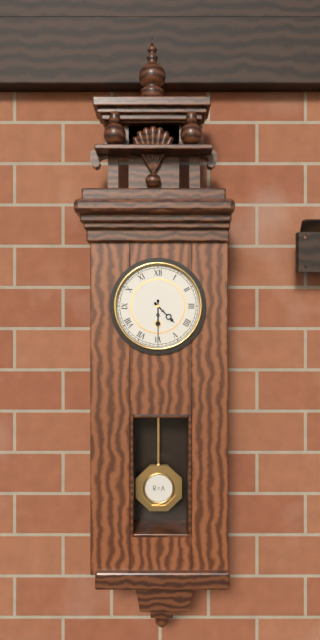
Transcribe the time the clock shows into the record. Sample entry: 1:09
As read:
4:30
